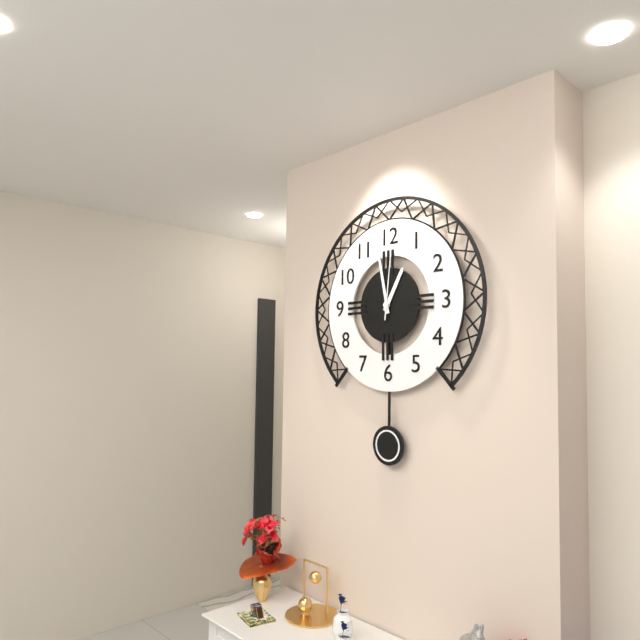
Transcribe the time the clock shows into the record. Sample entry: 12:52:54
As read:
12:58:01
